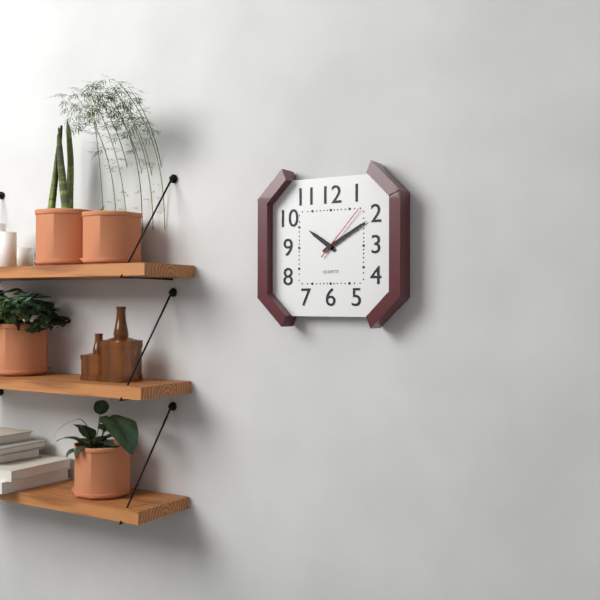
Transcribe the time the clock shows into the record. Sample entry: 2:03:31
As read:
10:10:07
